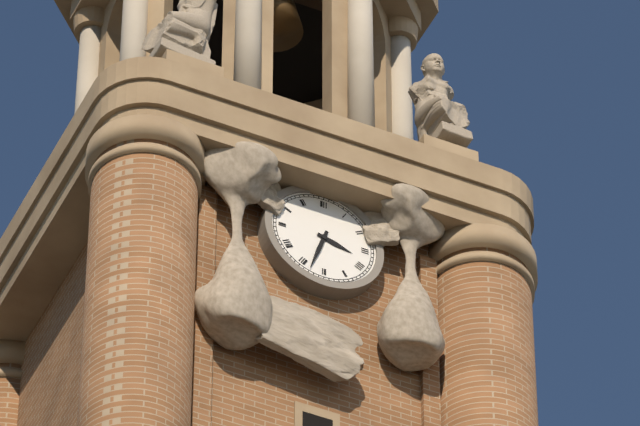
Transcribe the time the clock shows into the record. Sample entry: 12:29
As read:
3:33
